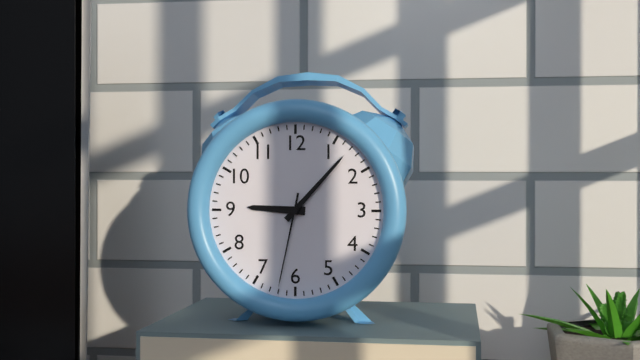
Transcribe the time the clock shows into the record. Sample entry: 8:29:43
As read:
9:07:32
